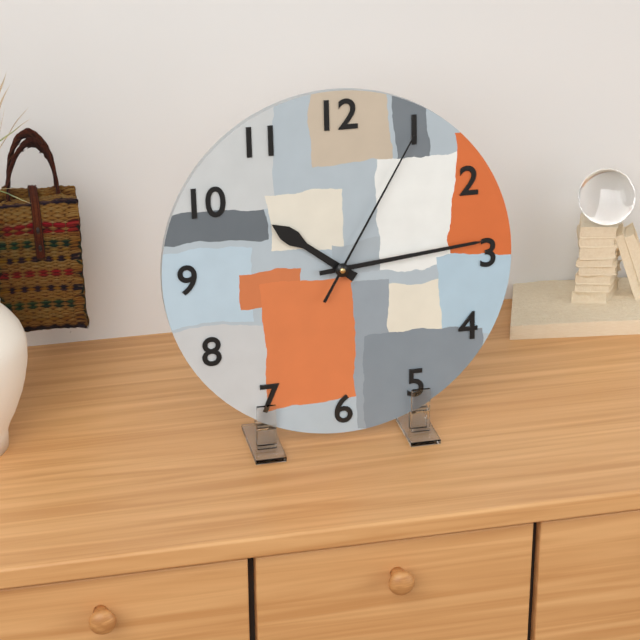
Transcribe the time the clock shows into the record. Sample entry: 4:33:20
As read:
10:14:05
